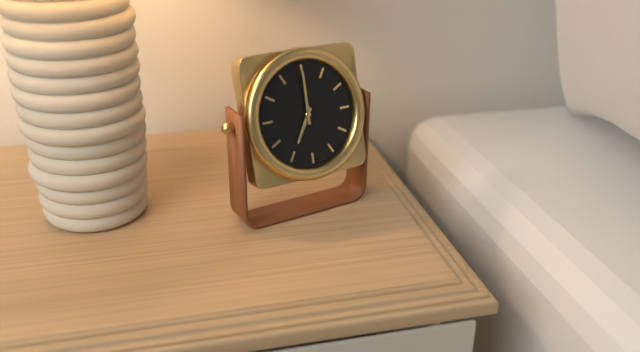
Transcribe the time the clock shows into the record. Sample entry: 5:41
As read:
7:00
